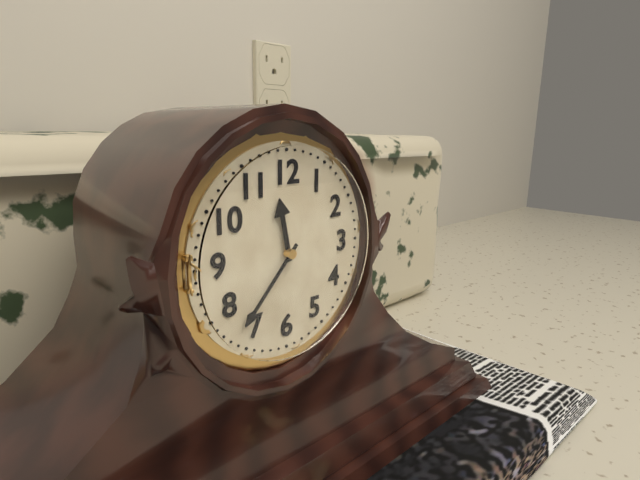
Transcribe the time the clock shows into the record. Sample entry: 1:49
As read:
11:37
